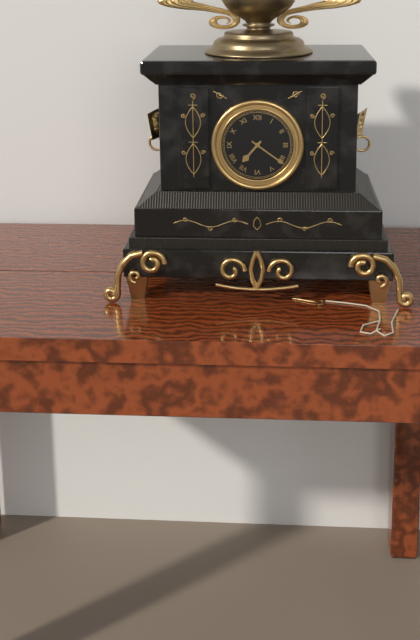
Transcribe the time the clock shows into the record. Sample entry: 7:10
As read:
7:21
